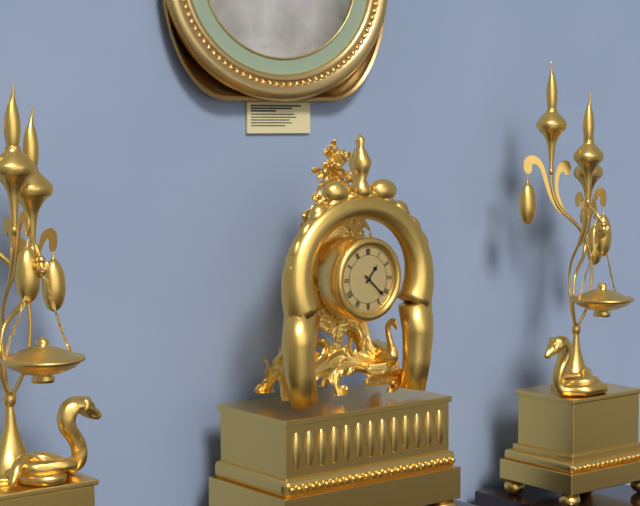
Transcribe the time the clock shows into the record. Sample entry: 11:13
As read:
1:22
